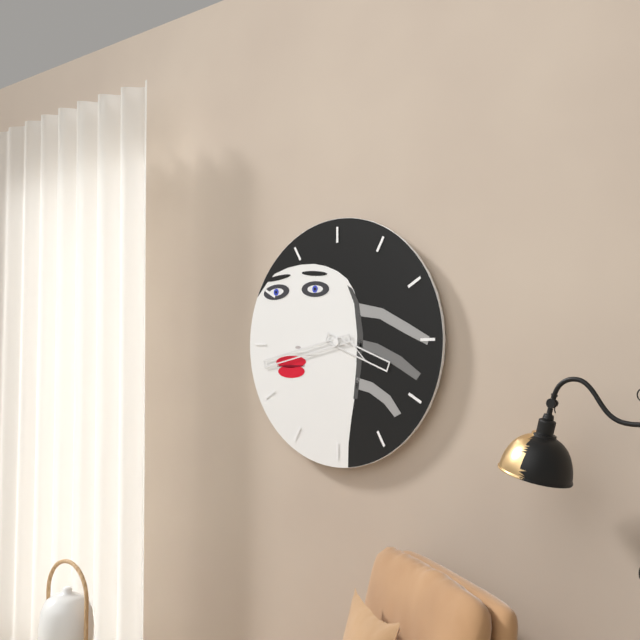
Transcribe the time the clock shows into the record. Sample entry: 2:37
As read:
3:43
